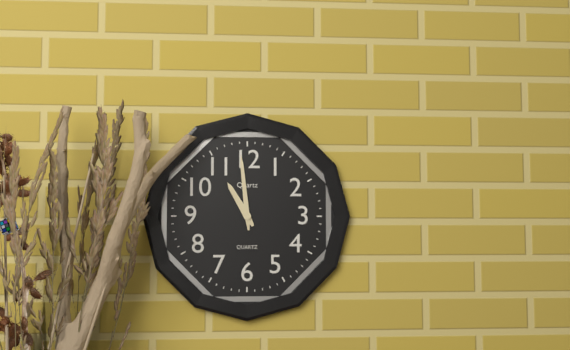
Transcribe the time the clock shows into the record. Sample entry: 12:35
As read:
10:59
